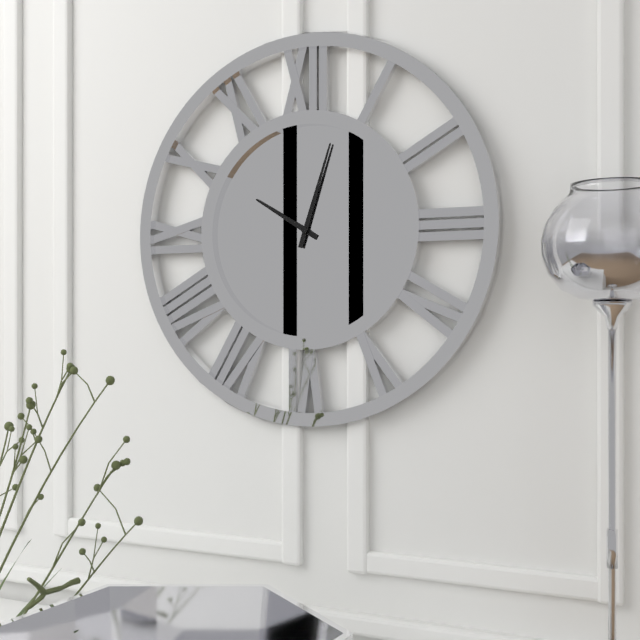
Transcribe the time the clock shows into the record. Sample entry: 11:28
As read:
10:03
